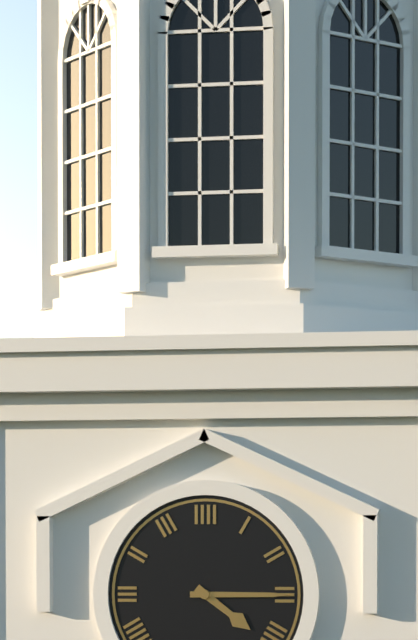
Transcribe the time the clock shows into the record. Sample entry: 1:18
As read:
4:15
